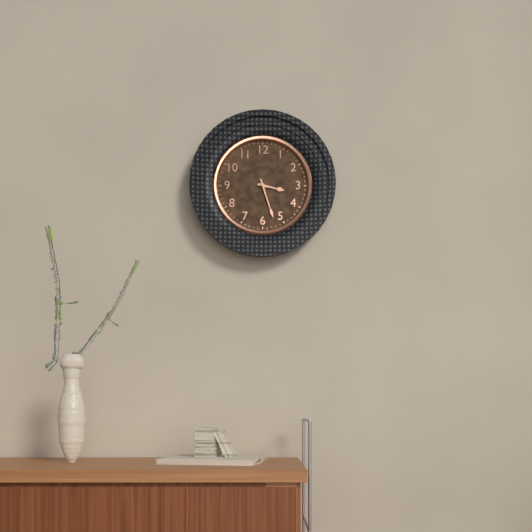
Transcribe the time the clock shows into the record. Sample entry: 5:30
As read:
3:27
